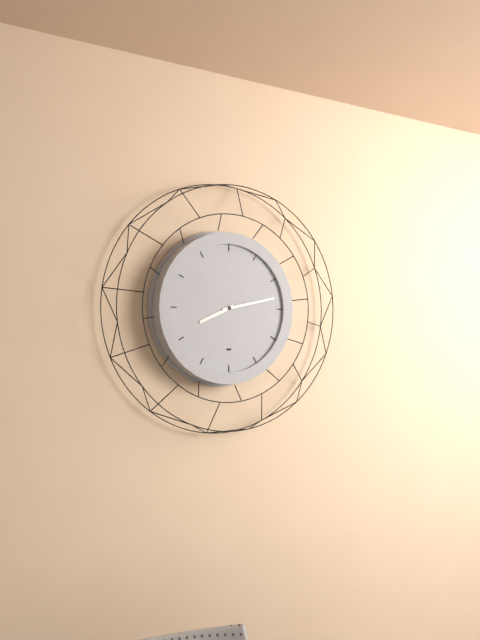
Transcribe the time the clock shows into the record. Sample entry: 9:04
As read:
8:13
